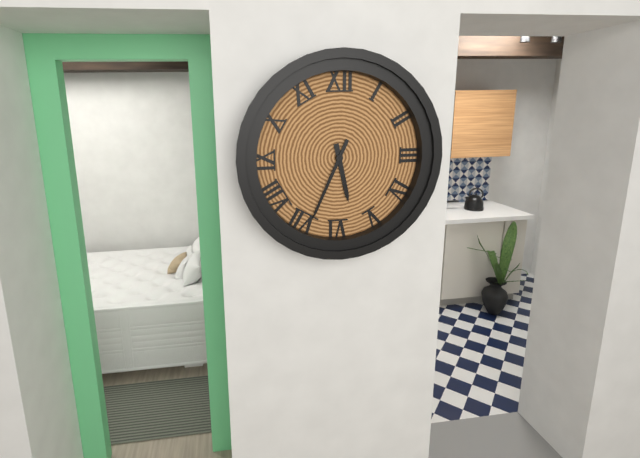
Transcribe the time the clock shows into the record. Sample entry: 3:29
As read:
5:34
